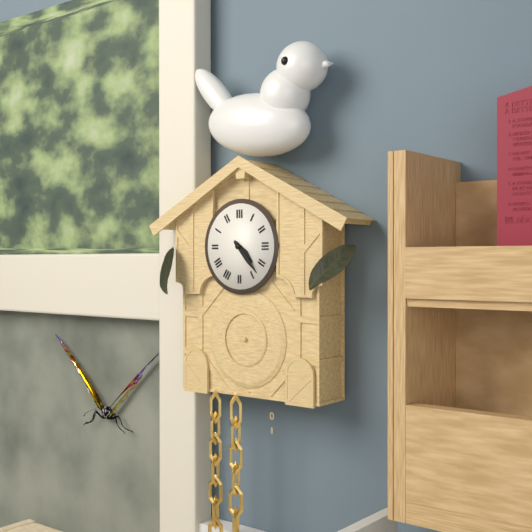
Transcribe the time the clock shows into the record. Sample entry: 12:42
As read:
4:23
